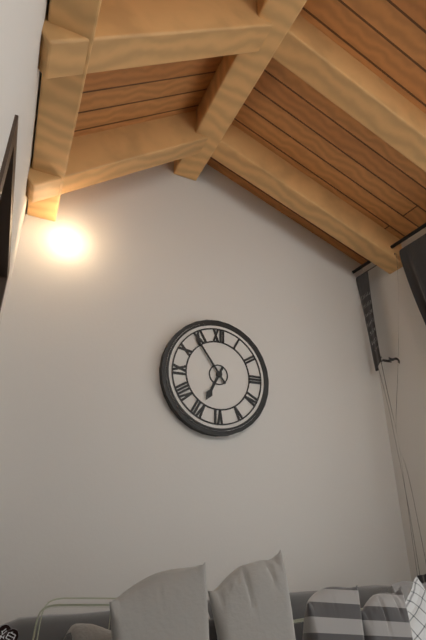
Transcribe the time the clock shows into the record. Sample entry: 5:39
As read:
6:54
